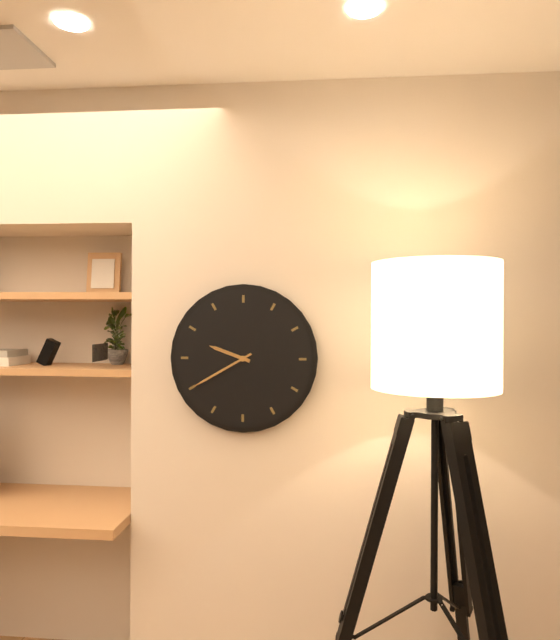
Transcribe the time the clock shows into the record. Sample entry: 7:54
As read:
9:40
